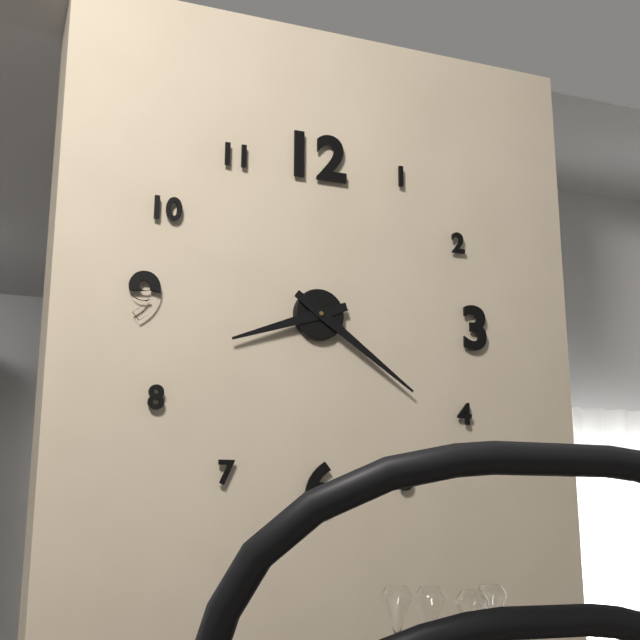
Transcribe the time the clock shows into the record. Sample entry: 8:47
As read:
8:21
